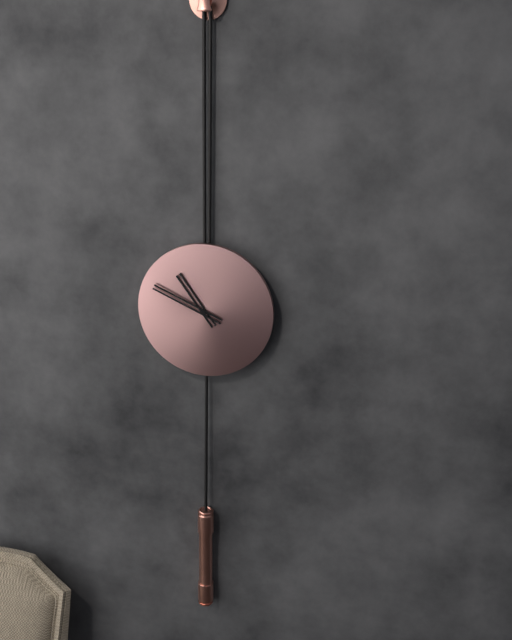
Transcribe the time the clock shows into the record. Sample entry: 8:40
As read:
10:49
